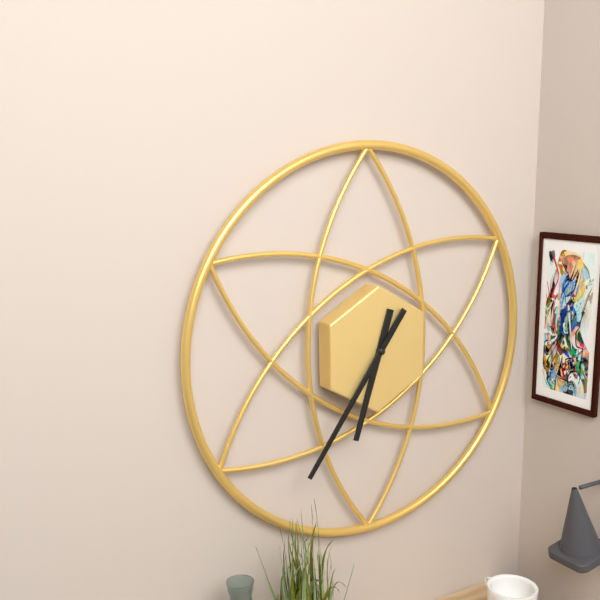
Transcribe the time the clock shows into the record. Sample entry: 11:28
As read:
6:36
